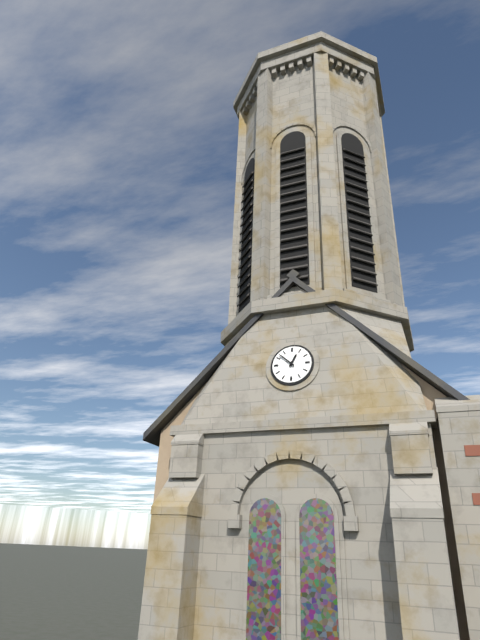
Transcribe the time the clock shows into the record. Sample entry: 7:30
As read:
12:52
